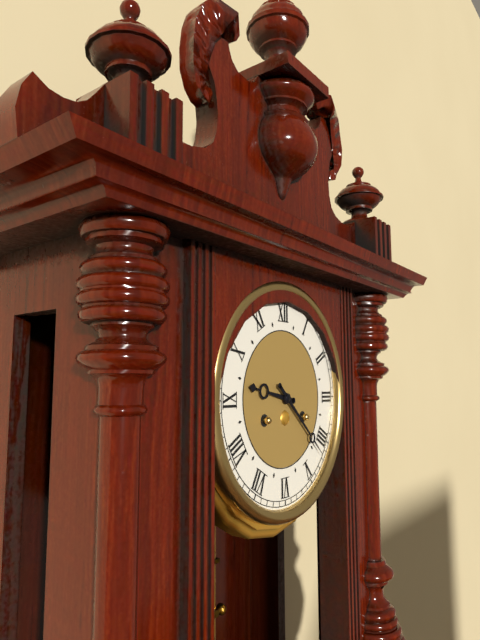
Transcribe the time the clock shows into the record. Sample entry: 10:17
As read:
9:22
